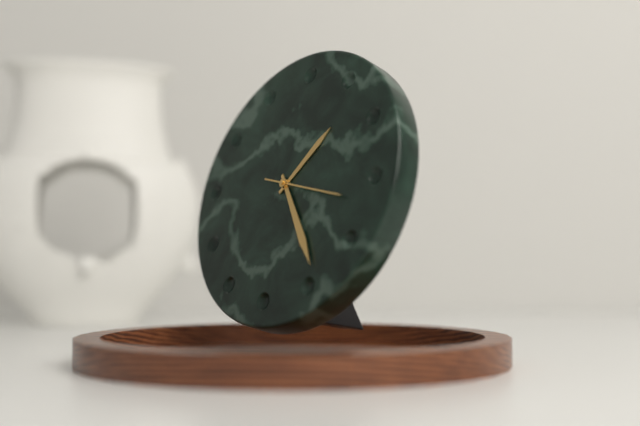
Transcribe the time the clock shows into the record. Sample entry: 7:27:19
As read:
1:24:17
